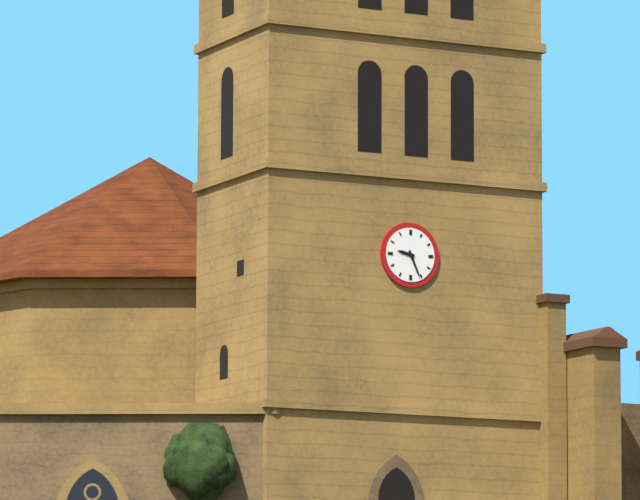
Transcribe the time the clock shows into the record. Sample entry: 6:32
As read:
9:26
